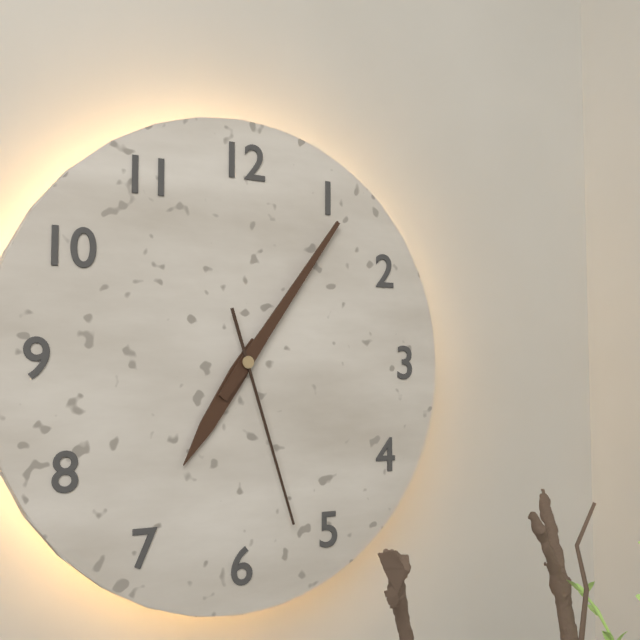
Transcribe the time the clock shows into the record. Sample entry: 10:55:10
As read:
7:06:27
